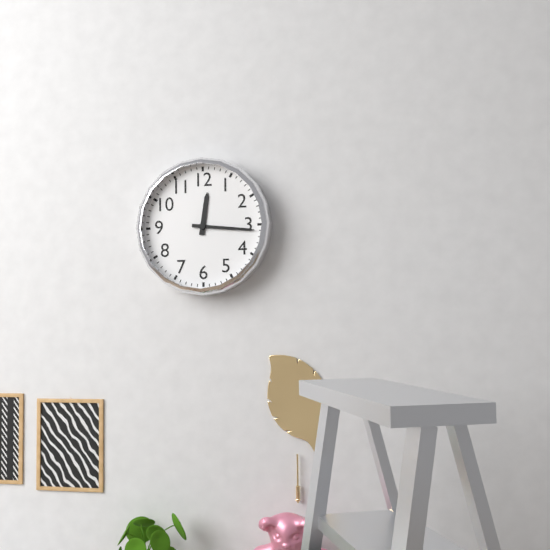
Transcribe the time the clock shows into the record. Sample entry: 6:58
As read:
12:16
